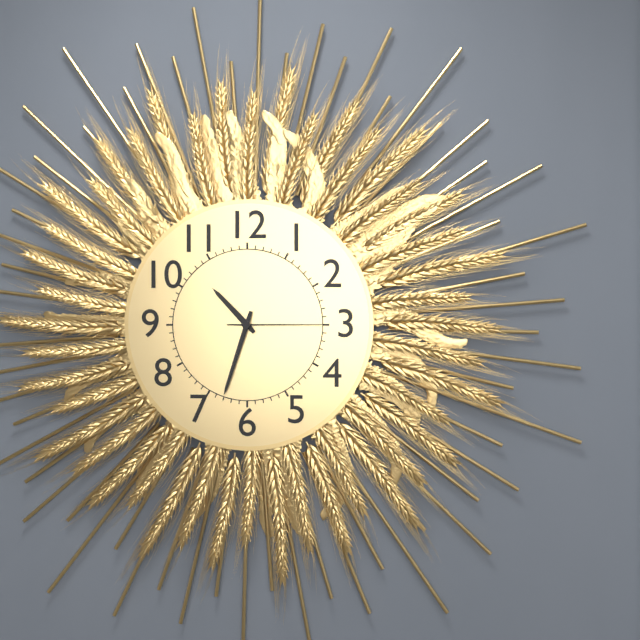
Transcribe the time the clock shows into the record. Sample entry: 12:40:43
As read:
10:33:15
